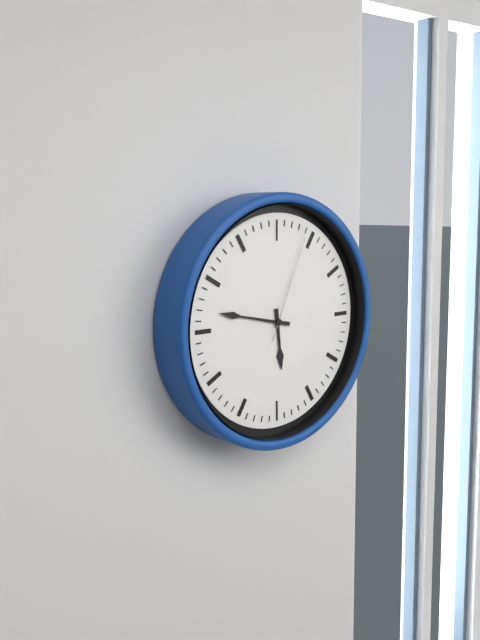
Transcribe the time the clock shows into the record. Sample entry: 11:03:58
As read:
5:47:04
